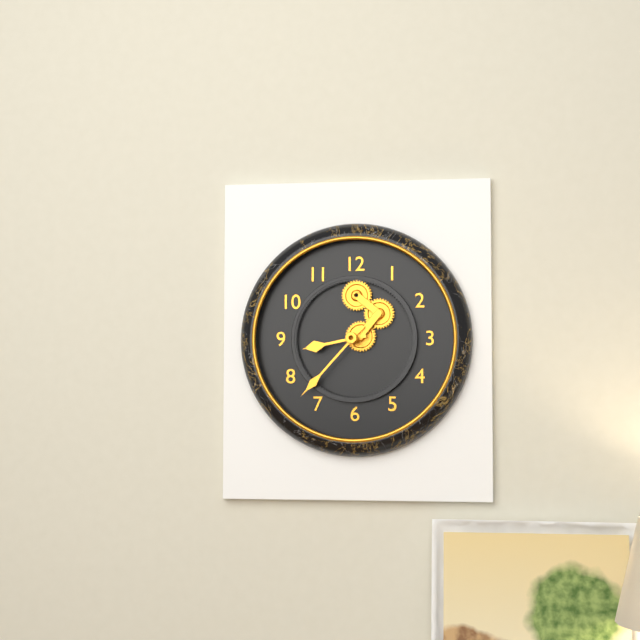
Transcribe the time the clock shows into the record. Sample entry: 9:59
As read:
8:37
